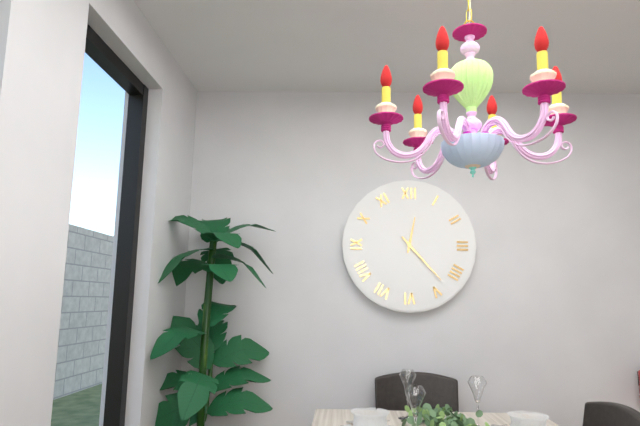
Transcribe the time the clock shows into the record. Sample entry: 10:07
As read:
12:23
